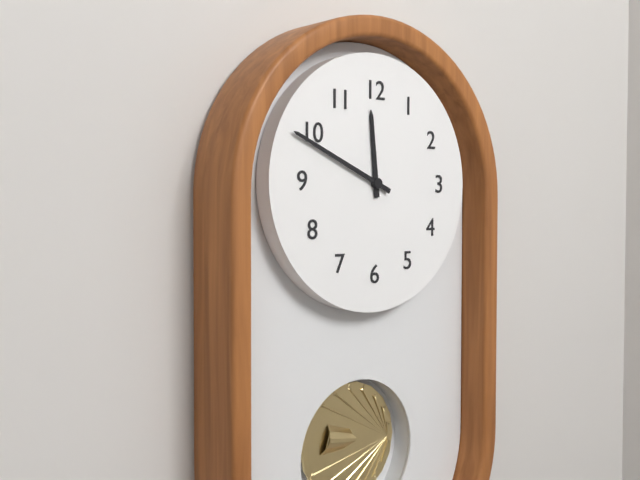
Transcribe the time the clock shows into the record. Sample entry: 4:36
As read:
11:49
